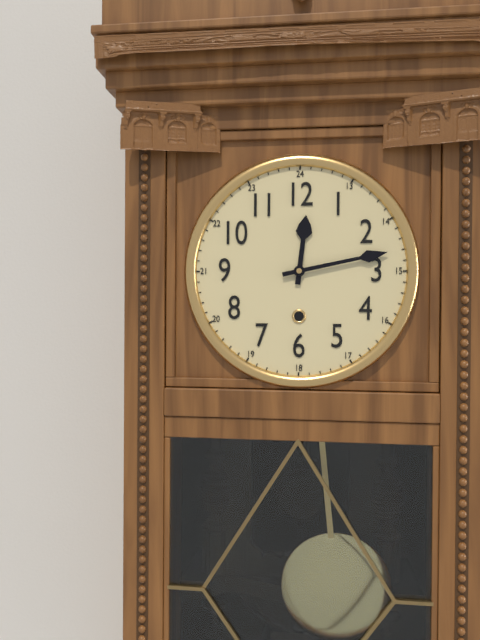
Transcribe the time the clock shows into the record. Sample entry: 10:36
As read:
12:13
